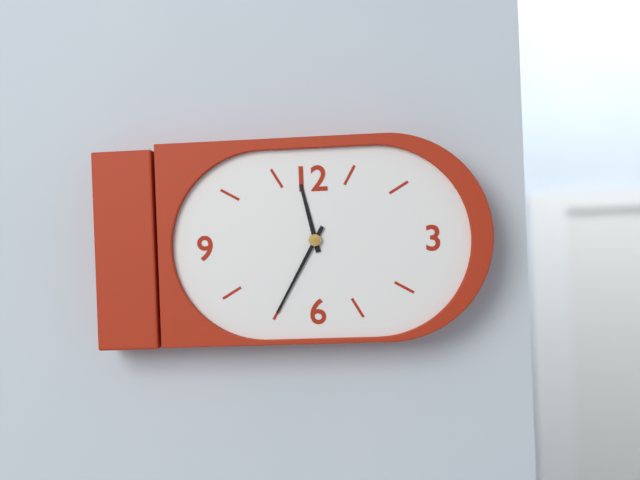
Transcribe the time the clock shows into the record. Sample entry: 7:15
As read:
11:35
